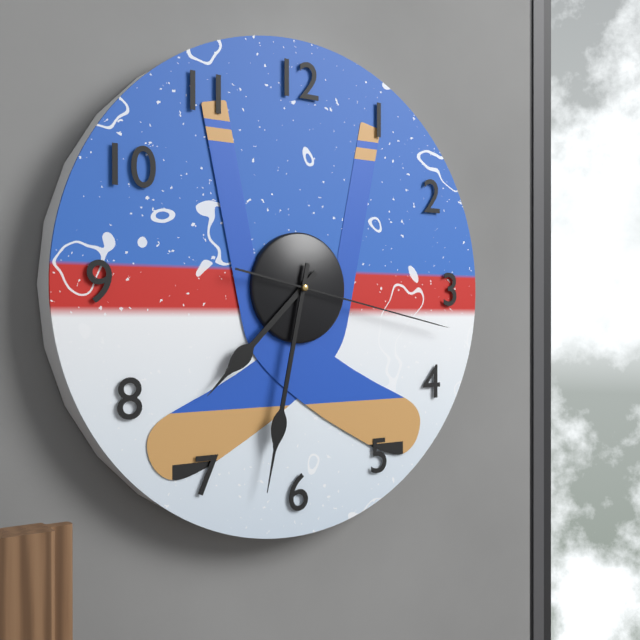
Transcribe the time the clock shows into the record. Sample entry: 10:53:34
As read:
7:32:17
